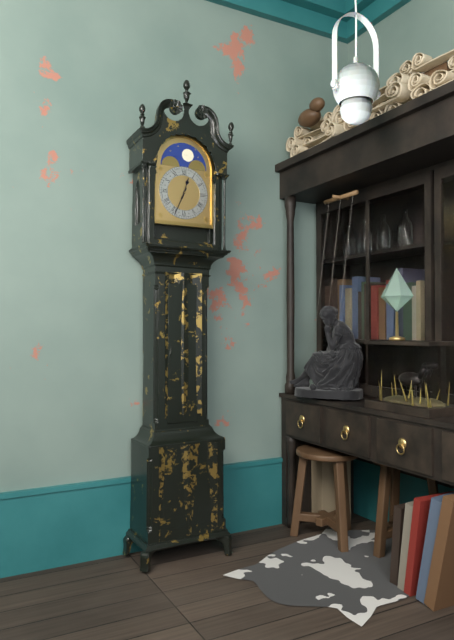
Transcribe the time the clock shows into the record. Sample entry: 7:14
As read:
12:34
